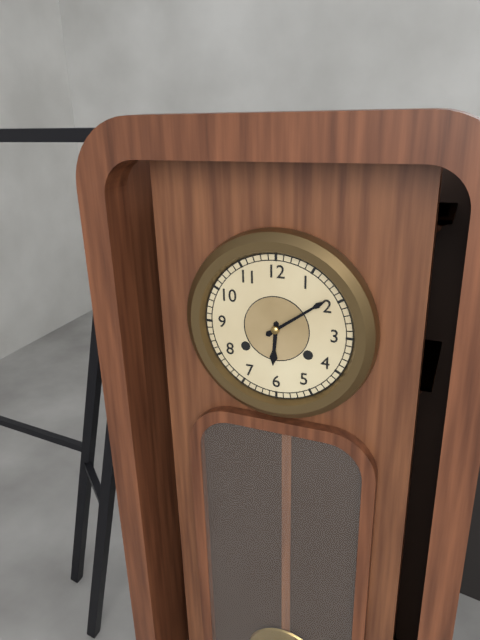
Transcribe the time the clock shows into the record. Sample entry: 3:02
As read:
6:09
